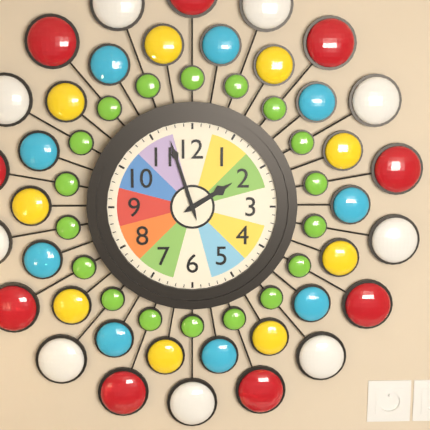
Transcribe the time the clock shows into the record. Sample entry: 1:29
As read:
1:57
